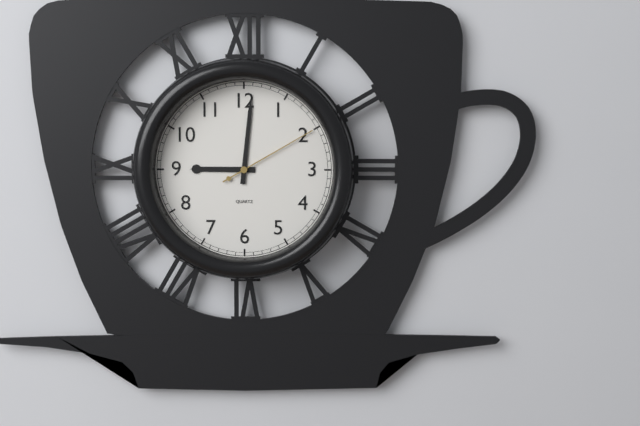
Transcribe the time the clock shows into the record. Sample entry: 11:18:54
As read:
9:01:10
